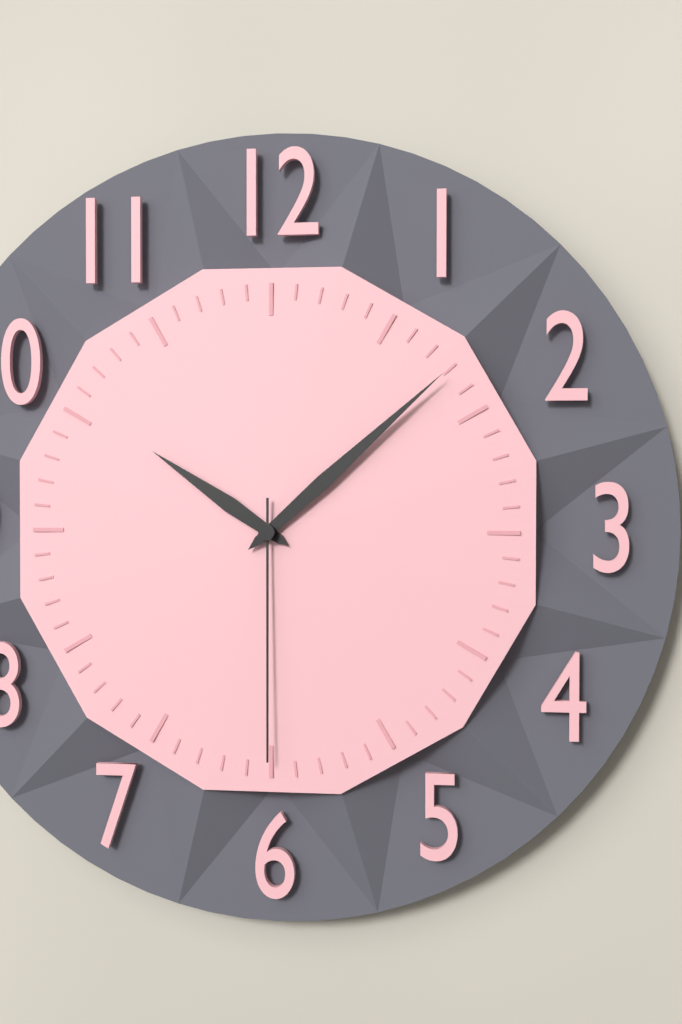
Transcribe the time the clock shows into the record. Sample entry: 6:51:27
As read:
10:08:30
